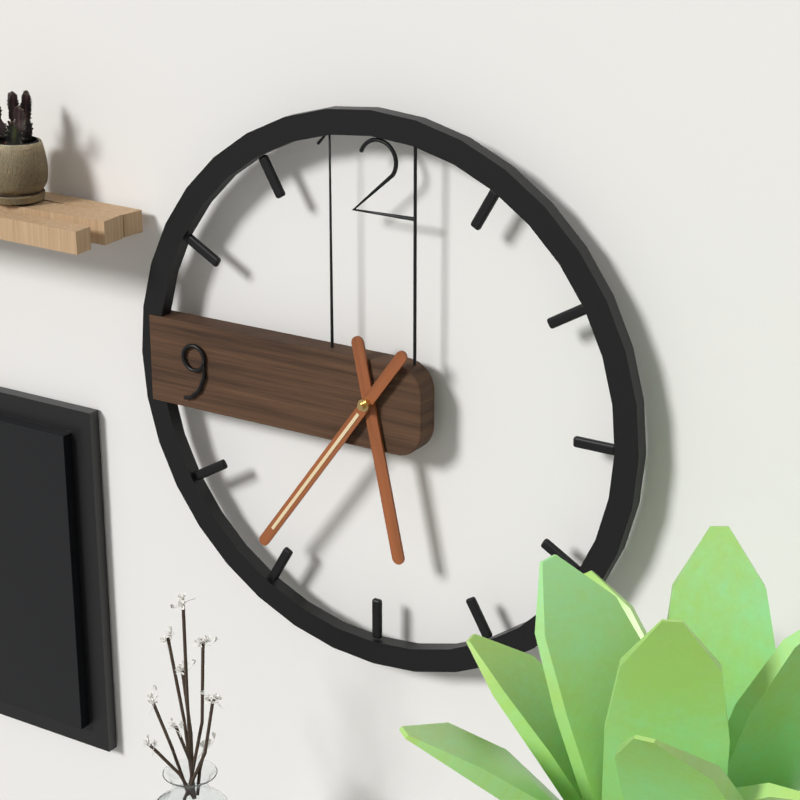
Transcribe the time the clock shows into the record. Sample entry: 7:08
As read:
5:36
